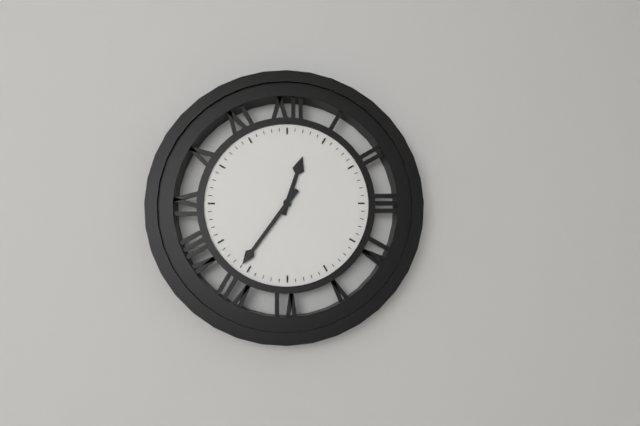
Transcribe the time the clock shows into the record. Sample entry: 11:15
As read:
12:36
